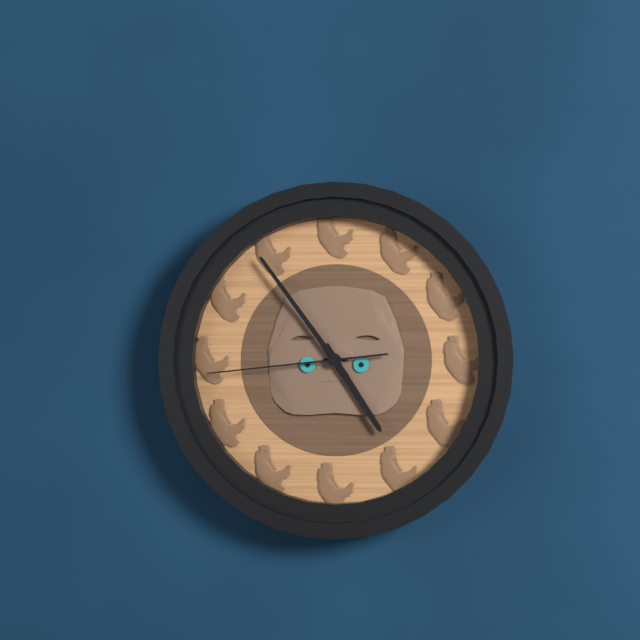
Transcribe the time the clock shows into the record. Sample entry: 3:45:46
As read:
4:54:44
